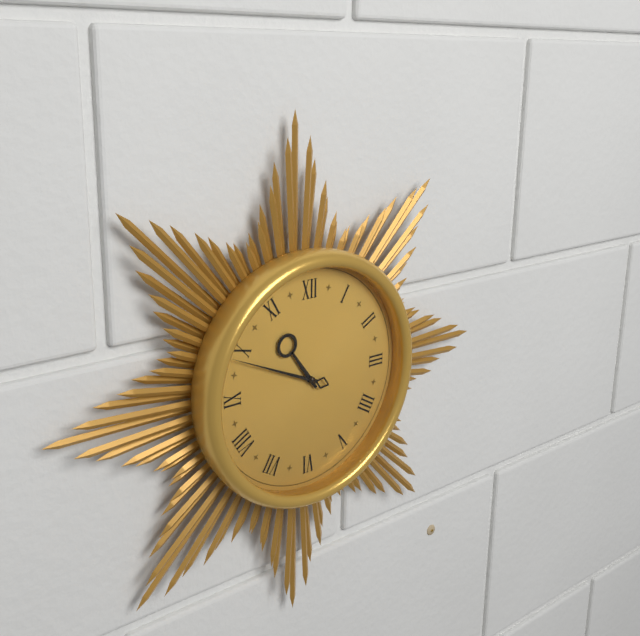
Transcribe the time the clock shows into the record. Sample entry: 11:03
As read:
10:49
